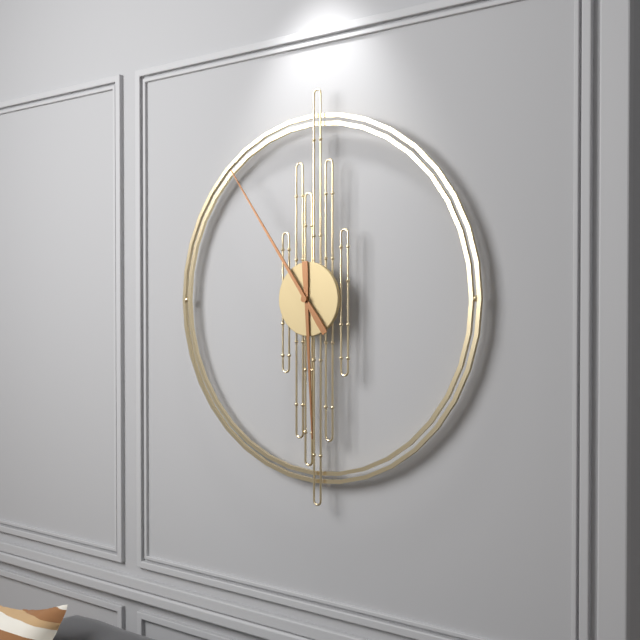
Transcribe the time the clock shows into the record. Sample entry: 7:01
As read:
5:54
